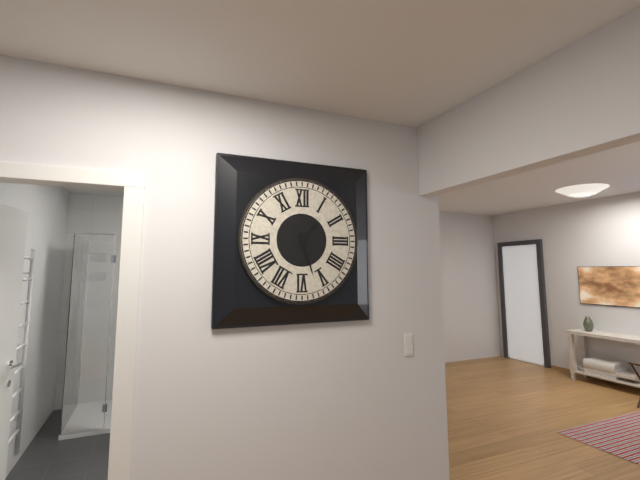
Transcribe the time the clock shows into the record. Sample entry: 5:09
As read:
1:27
